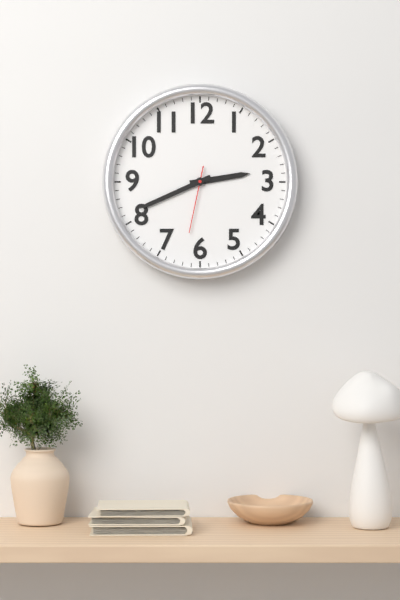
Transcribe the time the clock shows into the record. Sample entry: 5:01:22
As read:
2:41:32
